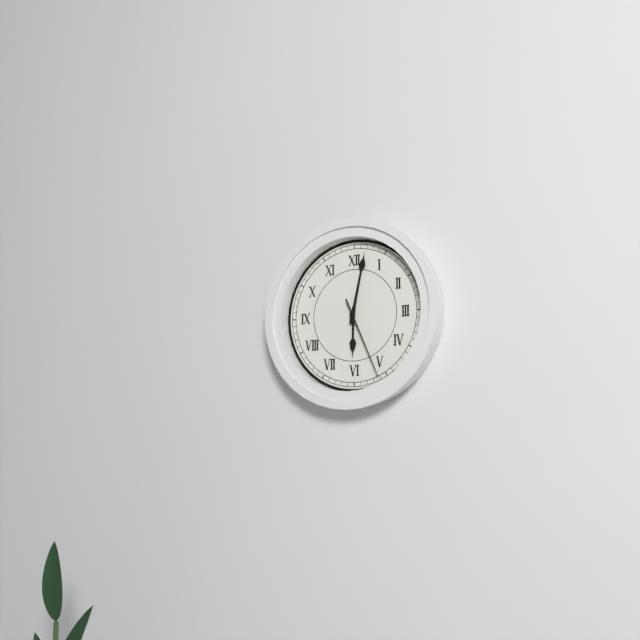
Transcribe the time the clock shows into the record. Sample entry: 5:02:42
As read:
6:02:26
